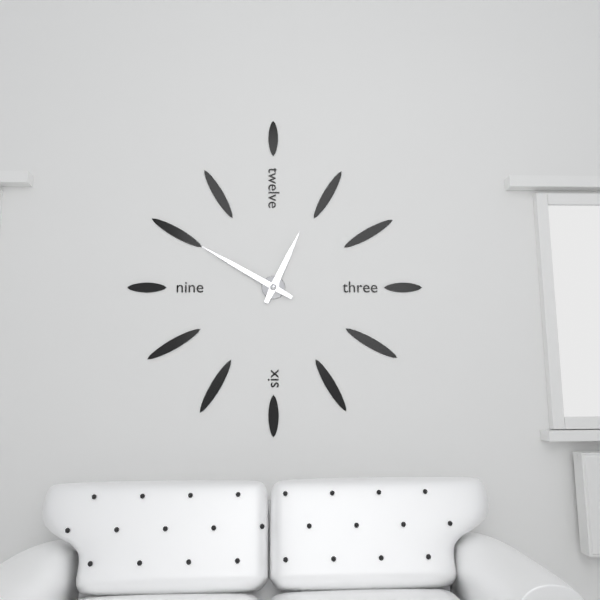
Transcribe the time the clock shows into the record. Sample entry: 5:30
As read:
12:50
